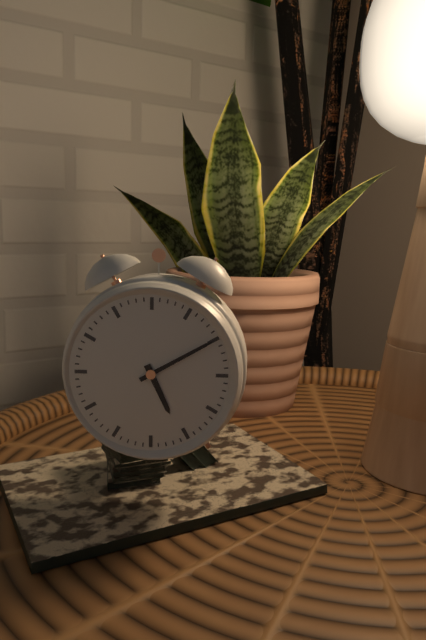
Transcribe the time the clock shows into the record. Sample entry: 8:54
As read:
5:10
